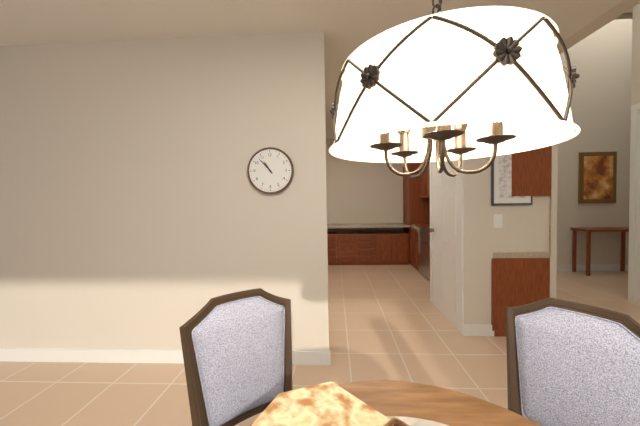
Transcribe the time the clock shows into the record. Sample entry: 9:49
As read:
10:53
